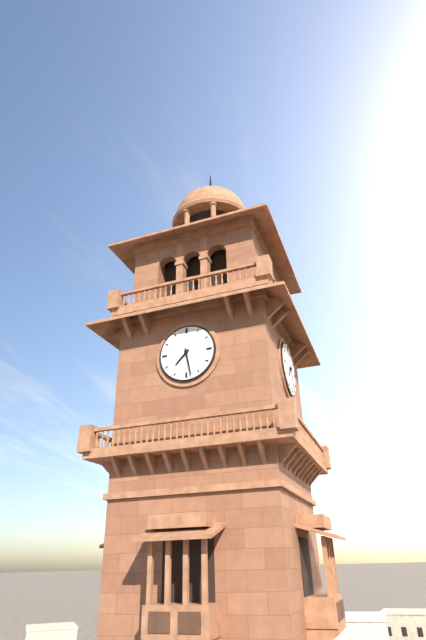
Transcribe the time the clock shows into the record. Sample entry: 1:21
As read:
7:28
